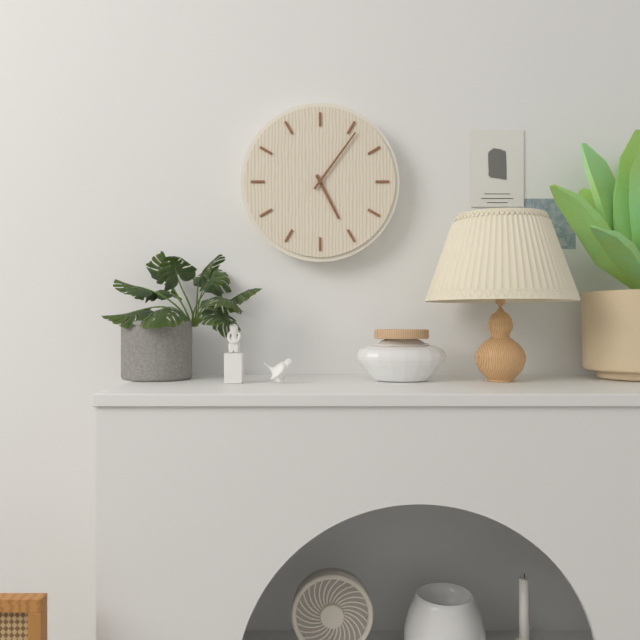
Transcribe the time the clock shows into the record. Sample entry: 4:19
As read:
5:06
